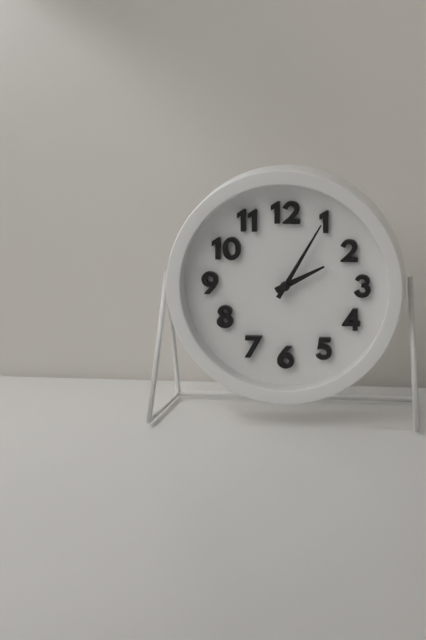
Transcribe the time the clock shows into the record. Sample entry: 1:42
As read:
2:05
